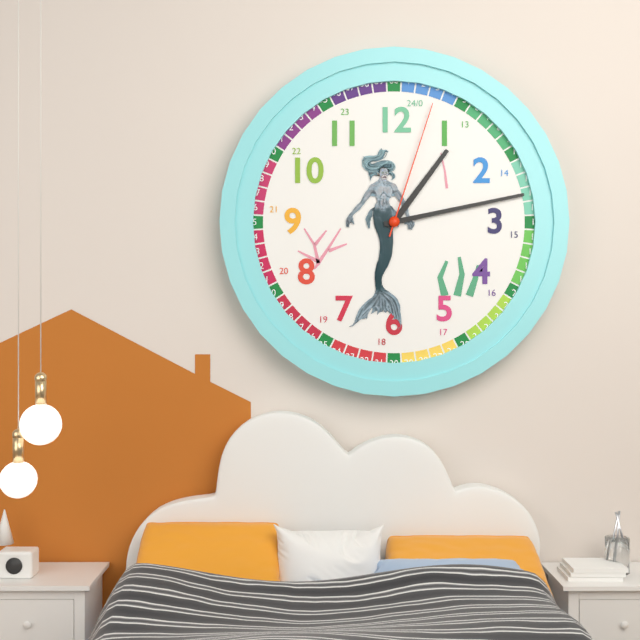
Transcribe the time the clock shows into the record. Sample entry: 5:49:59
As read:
1:13:03
